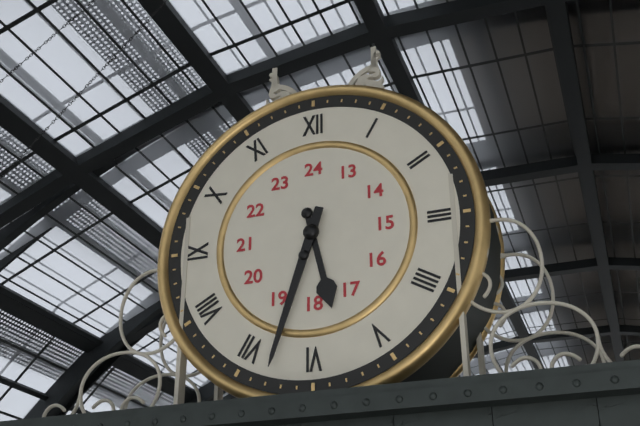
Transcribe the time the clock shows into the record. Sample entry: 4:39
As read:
5:33
